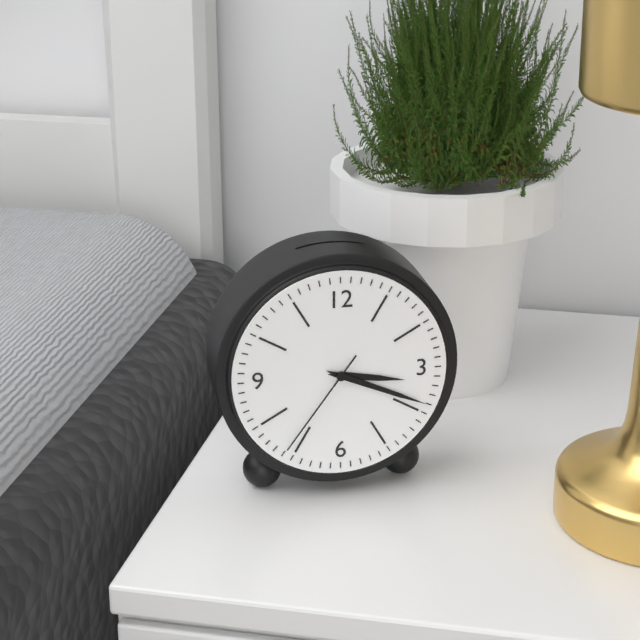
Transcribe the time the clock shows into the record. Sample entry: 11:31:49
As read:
3:19:36
